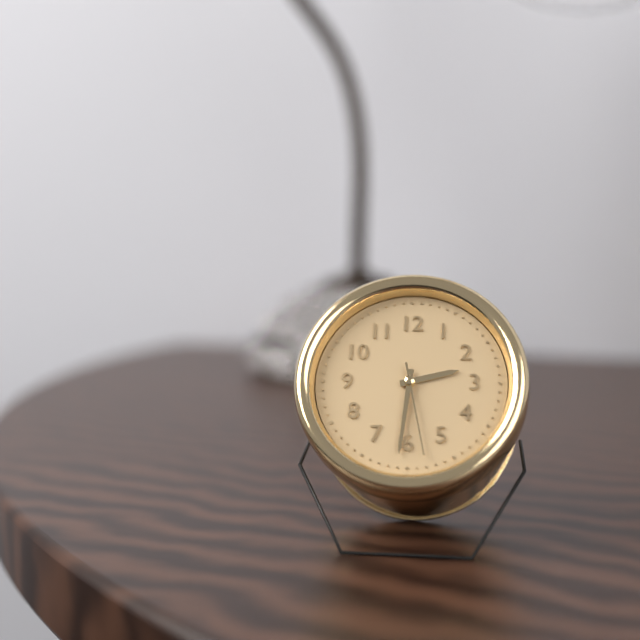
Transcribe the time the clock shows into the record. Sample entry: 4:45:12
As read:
2:31:28
